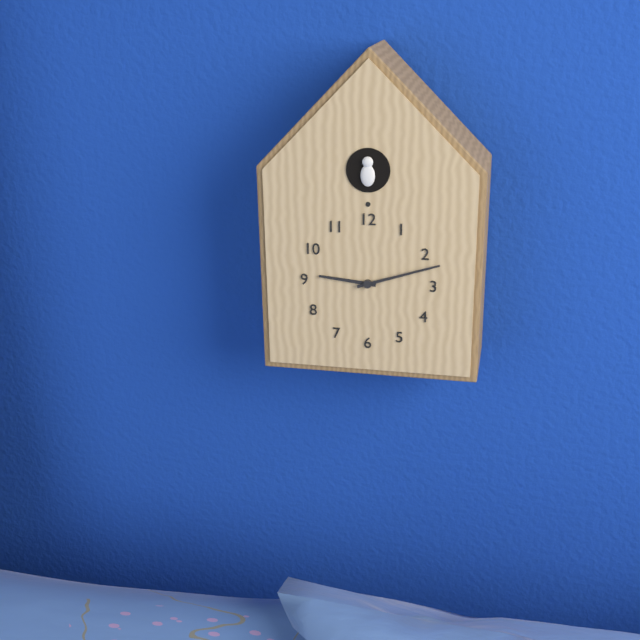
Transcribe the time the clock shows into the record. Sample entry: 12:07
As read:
9:12
